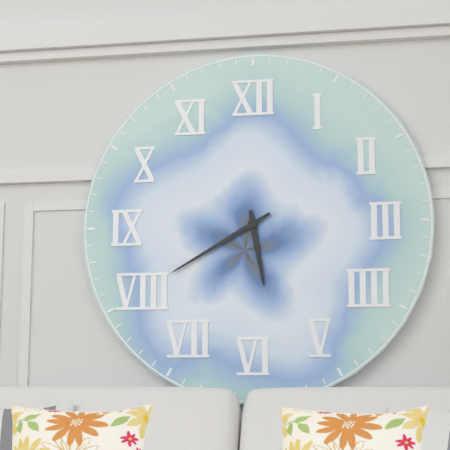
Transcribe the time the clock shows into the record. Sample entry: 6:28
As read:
5:40
